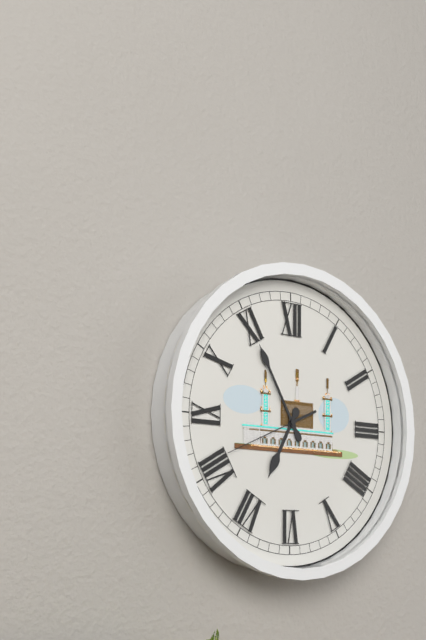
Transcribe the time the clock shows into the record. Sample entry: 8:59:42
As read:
6:55:41
